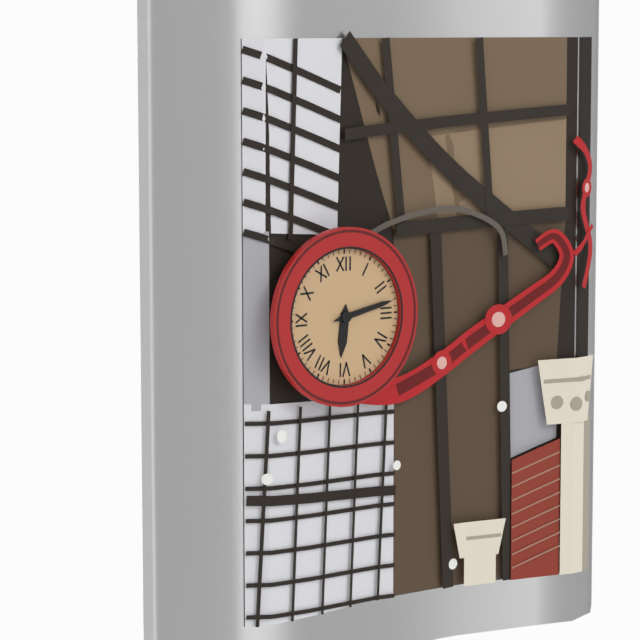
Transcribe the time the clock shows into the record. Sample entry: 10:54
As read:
6:13
